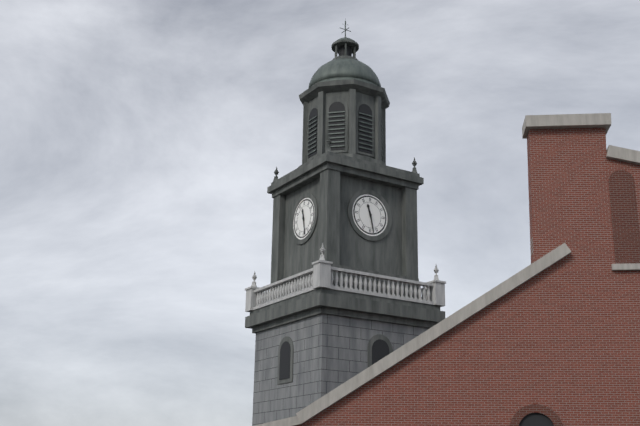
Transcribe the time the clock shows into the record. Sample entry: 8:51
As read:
11:28
